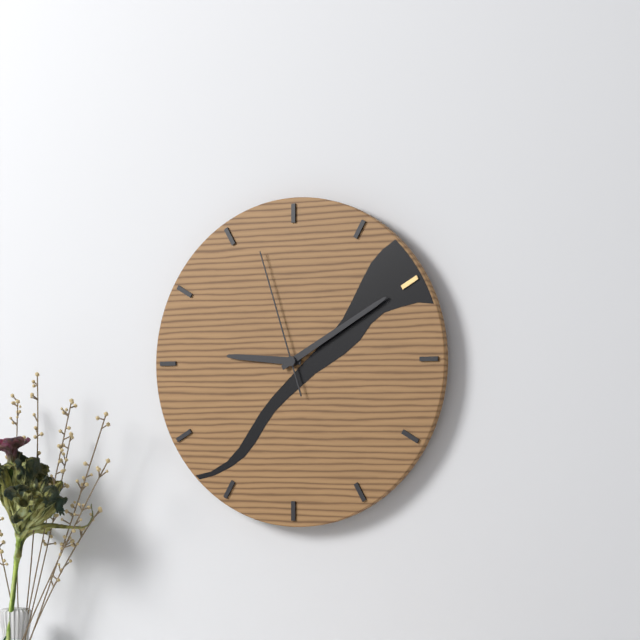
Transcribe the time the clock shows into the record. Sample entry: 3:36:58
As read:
9:10:57
